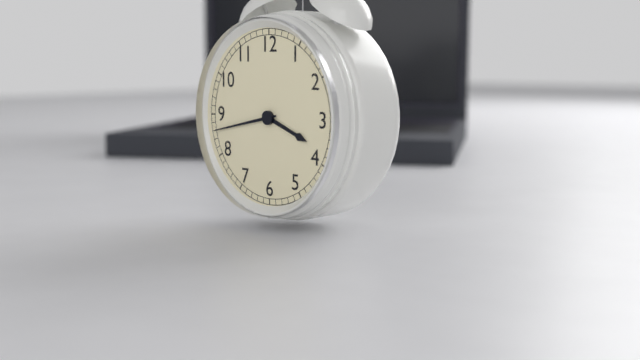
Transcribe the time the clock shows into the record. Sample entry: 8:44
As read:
3:43
